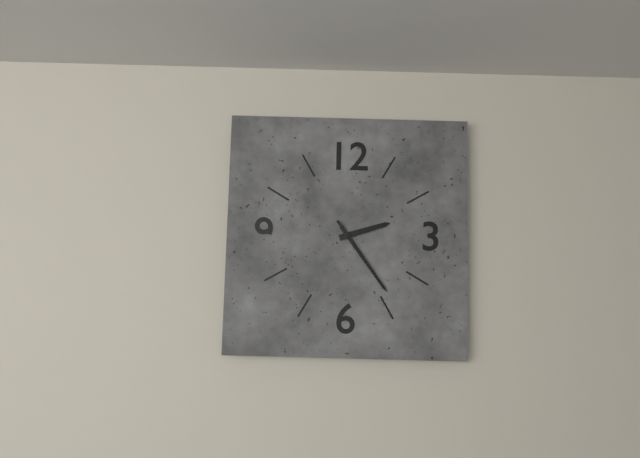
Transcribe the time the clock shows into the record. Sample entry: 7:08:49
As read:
2:24:24
